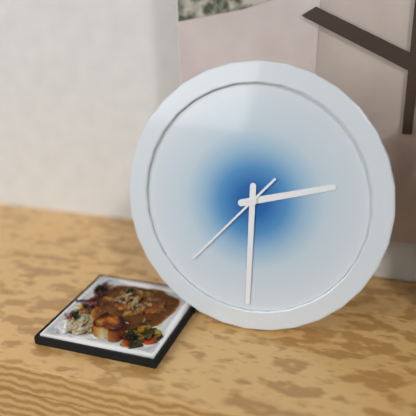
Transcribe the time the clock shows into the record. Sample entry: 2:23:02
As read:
2:30:37
